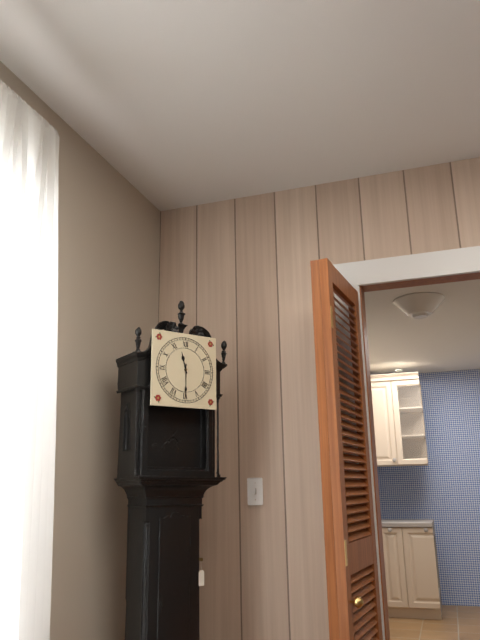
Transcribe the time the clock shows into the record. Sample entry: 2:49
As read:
11:30
